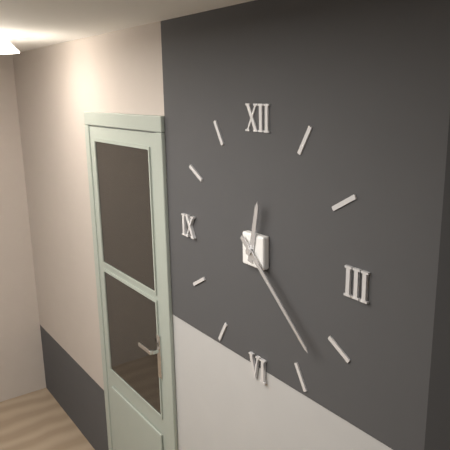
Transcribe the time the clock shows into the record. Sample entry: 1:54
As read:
12:22
